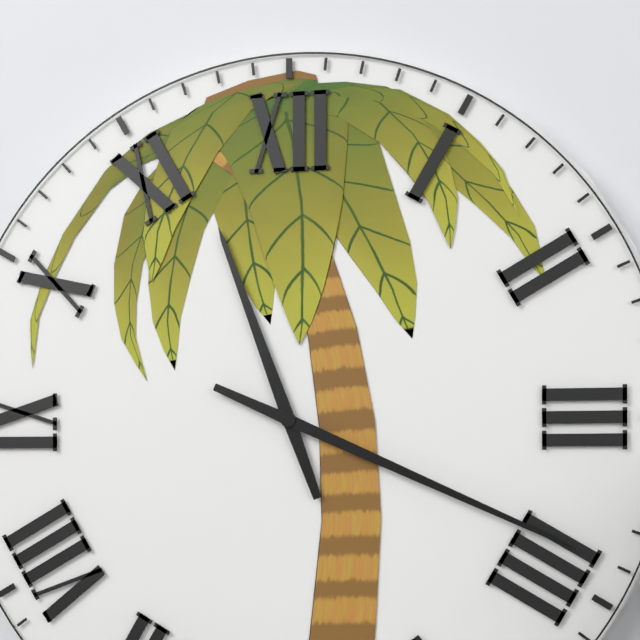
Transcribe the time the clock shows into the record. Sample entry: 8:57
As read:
11:19
